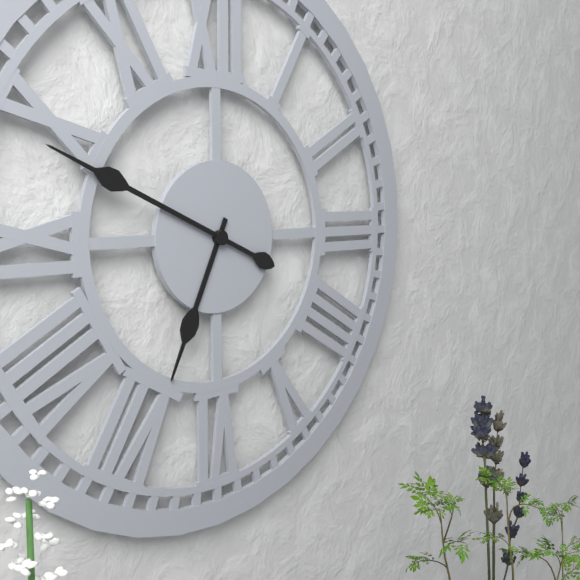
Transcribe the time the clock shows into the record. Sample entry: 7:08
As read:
6:49
